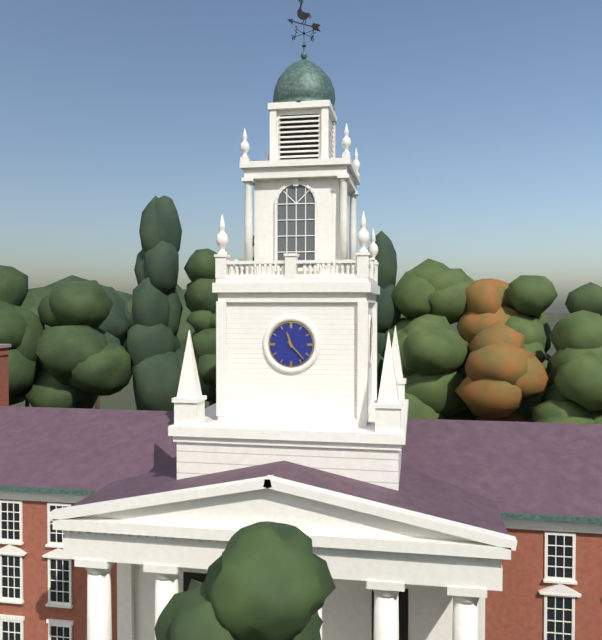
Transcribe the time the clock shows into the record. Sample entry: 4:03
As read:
11:23
